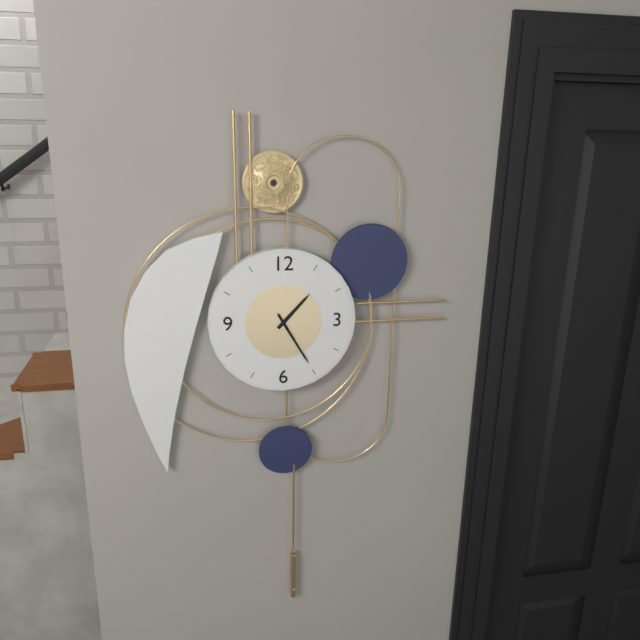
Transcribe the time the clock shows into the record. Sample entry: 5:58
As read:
1:25
